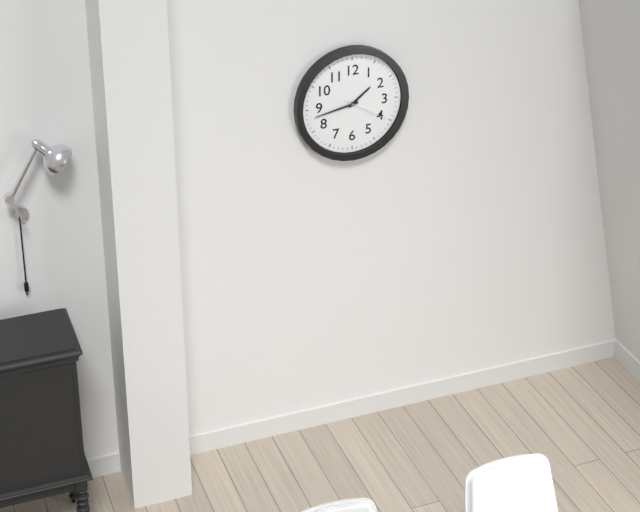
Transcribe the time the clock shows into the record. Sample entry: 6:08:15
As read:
1:43:20
